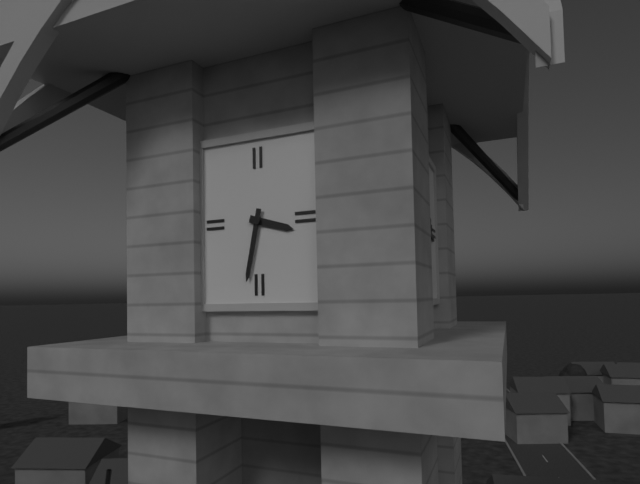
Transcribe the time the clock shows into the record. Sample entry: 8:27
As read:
3:32
